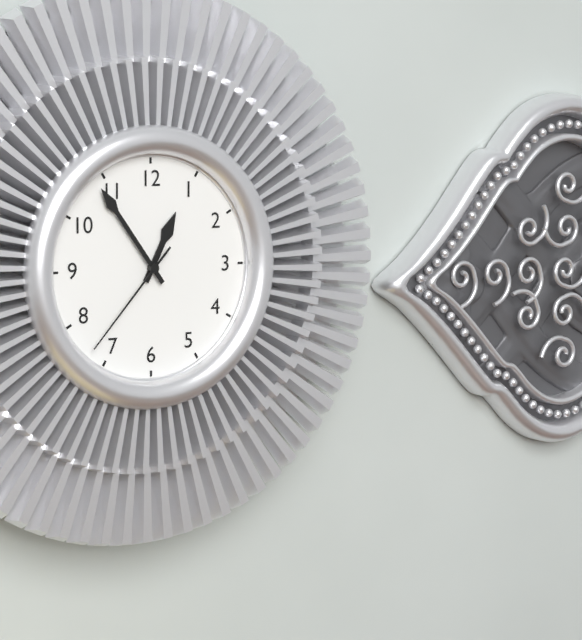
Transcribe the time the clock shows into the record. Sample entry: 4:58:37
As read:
12:54:37
